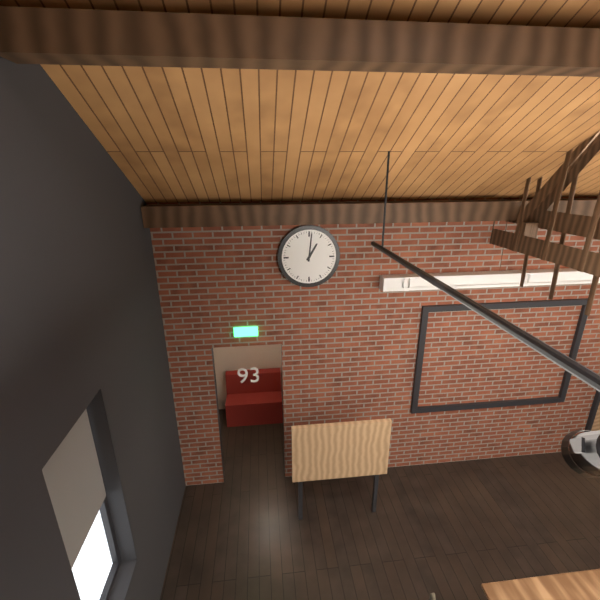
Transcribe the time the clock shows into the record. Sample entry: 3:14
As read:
1:01
